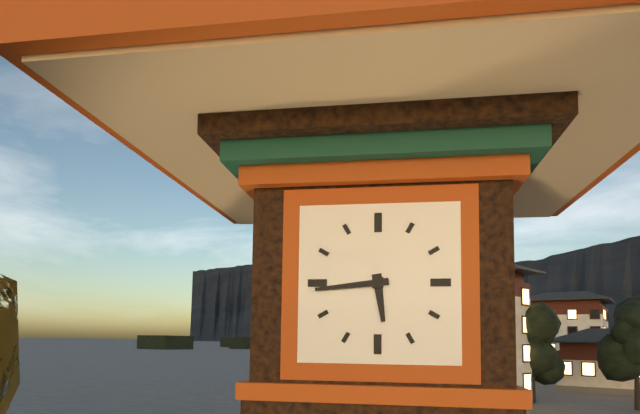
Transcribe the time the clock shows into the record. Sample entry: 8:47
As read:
5:44
